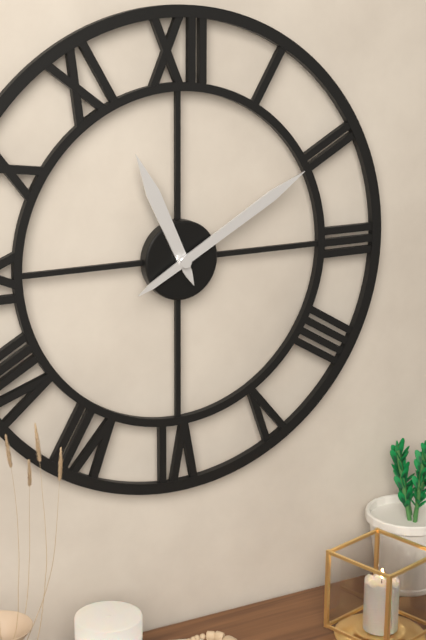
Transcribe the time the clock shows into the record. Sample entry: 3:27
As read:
11:10
